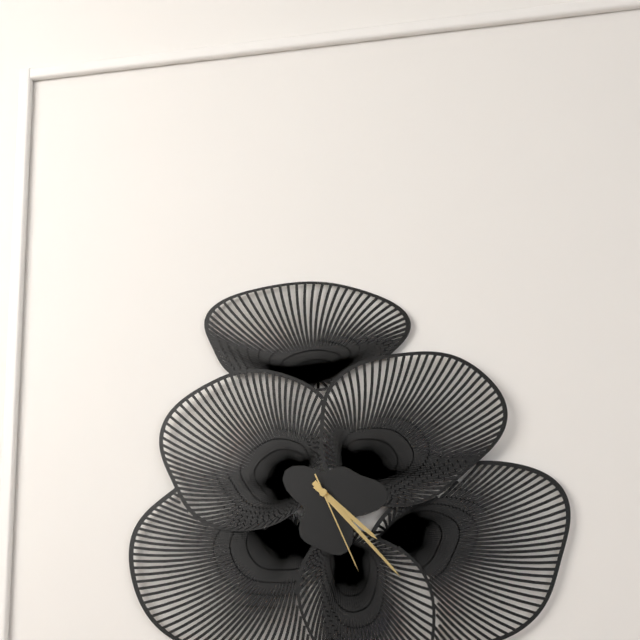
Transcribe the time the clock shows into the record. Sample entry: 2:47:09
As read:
4:23:26
